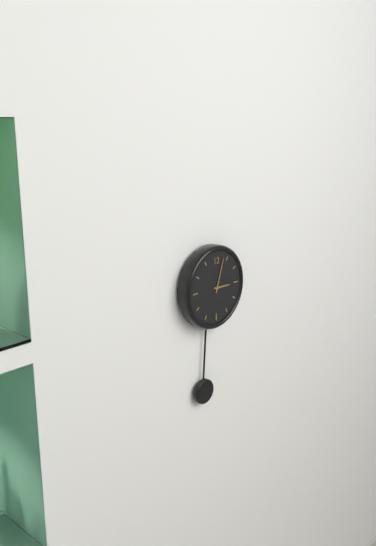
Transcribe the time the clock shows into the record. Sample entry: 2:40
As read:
3:03
